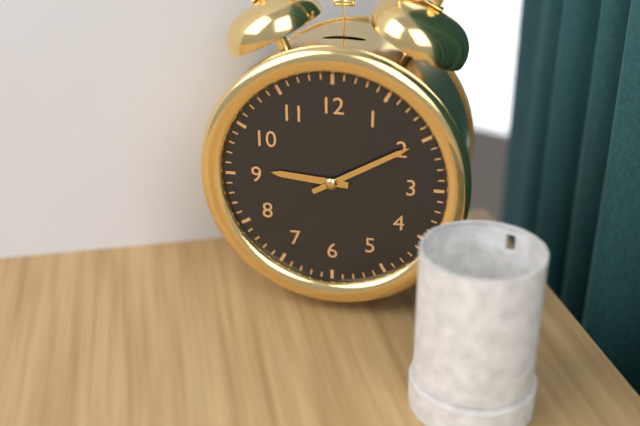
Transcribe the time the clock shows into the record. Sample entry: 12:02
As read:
9:10
